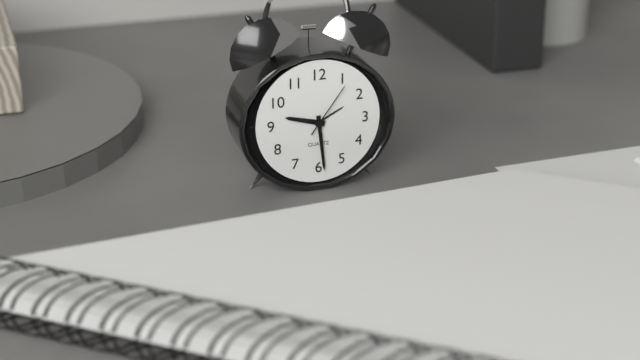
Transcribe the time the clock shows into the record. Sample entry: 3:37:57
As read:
9:29:06
